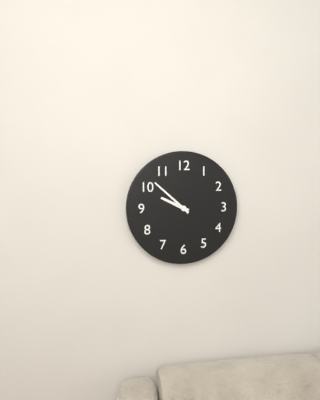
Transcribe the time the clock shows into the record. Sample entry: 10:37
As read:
9:52
